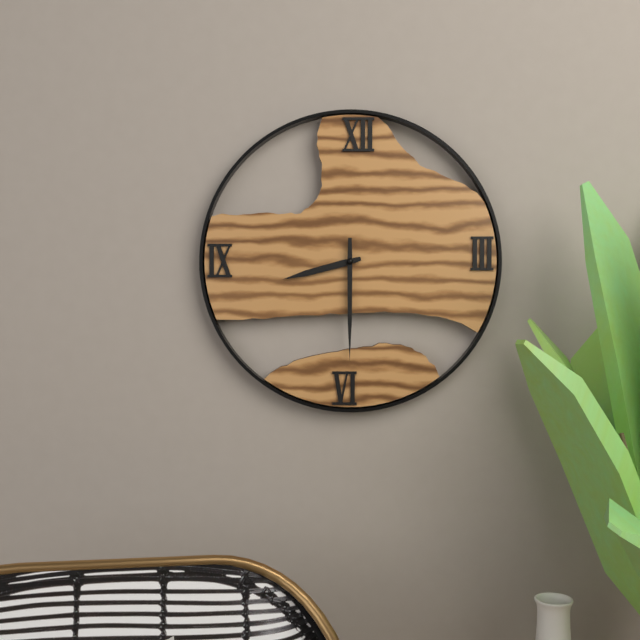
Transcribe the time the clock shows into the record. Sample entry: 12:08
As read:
8:30
